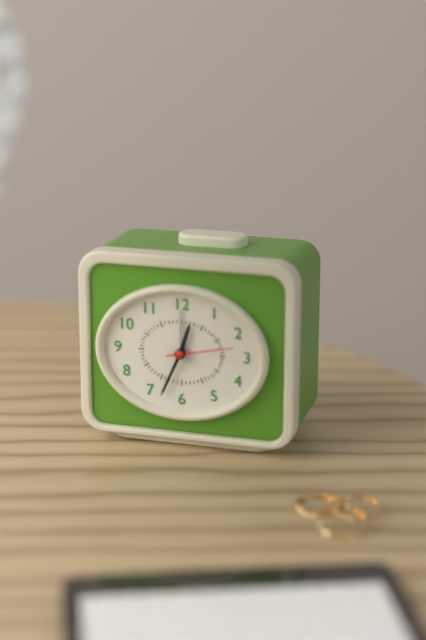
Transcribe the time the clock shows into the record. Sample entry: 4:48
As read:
12:34
